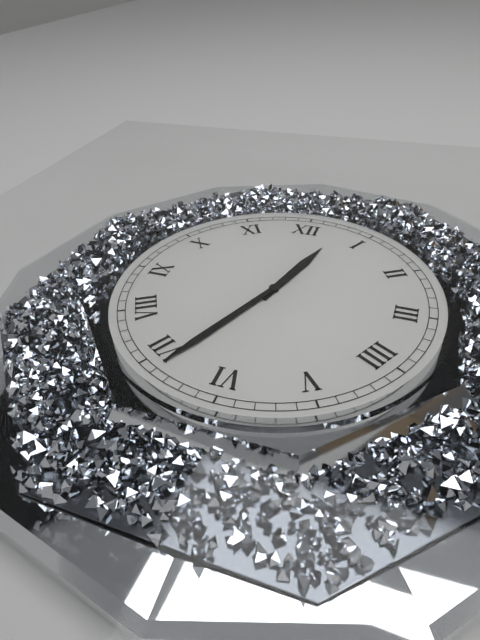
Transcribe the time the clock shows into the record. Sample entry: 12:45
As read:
12:34
